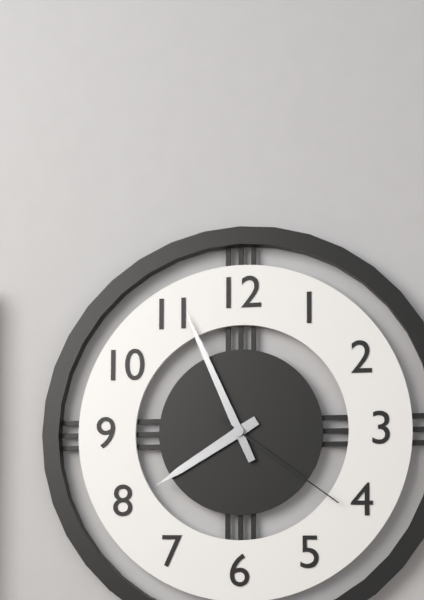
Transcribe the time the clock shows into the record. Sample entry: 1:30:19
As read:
7:56:21
